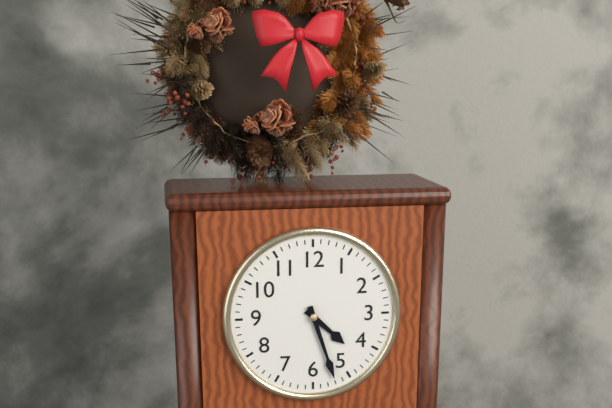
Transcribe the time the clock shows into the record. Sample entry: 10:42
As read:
4:27
